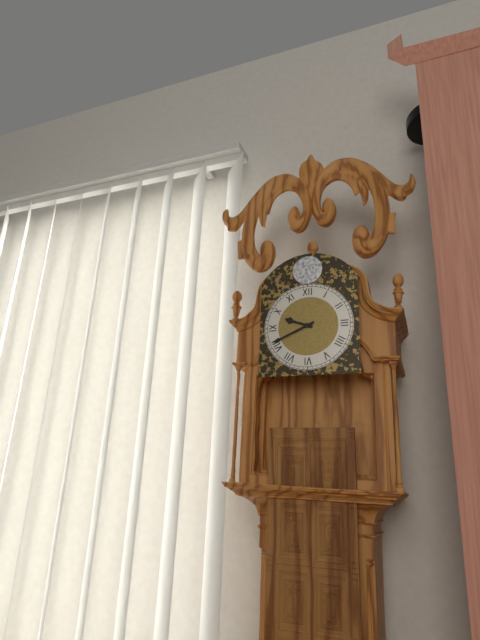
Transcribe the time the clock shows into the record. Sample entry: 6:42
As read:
9:41
